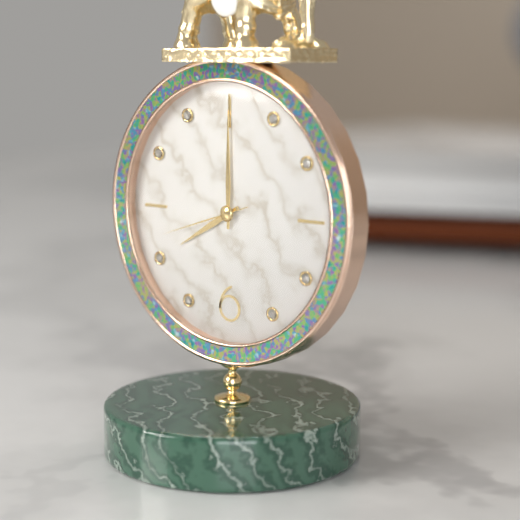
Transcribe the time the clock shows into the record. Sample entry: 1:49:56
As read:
8:00:42
